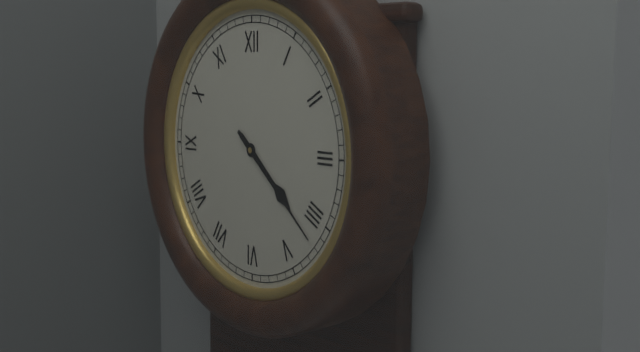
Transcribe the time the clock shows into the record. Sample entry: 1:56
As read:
4:22
